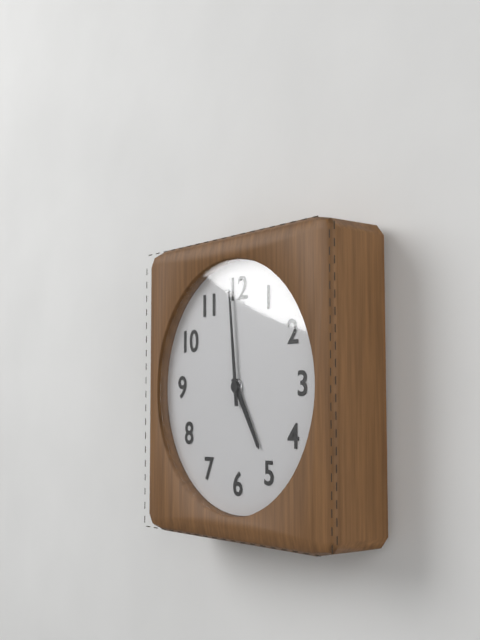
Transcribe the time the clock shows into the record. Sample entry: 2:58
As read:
4:59
